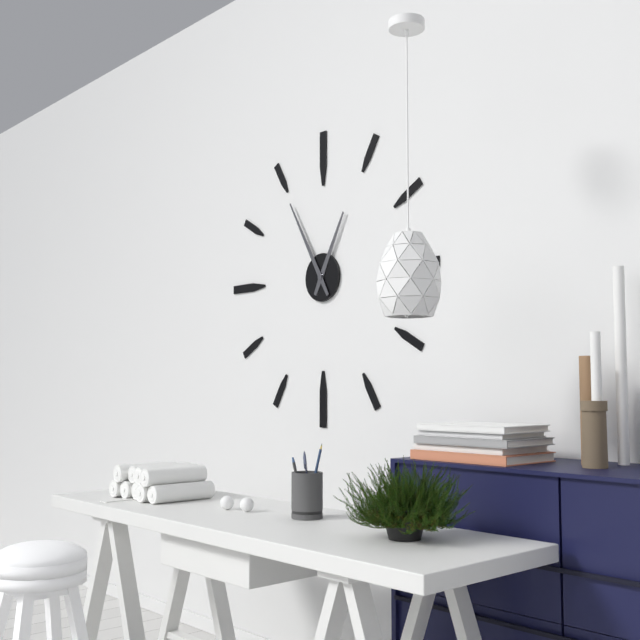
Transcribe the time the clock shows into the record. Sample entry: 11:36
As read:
12:55
